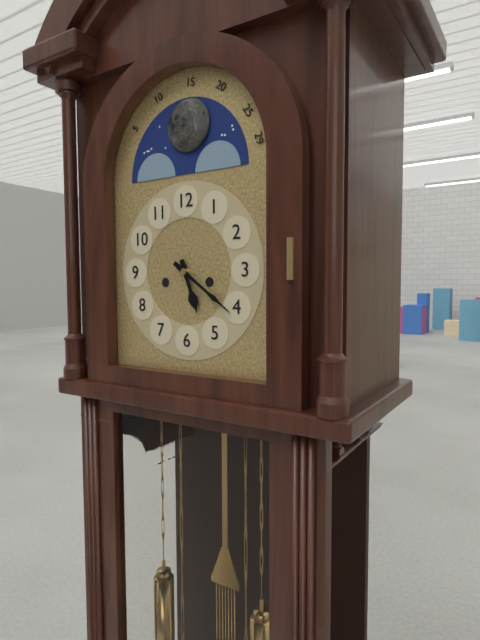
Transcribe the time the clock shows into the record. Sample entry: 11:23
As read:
5:21
